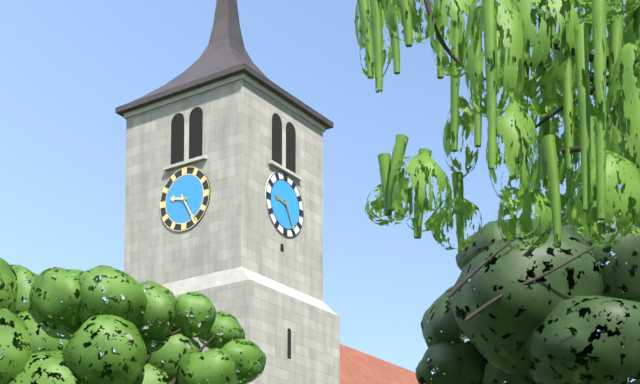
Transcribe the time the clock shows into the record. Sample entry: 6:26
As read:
9:25
